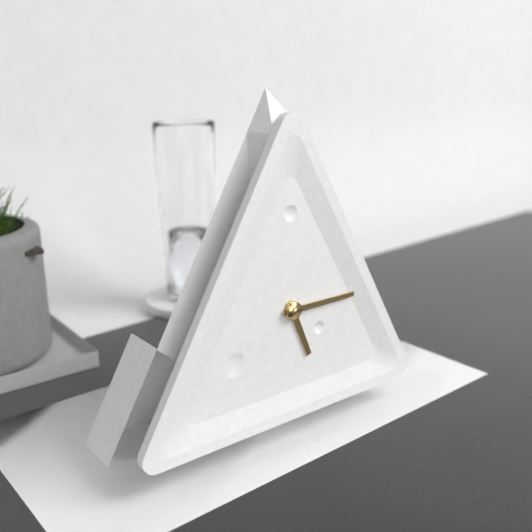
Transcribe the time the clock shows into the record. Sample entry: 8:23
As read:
5:15
